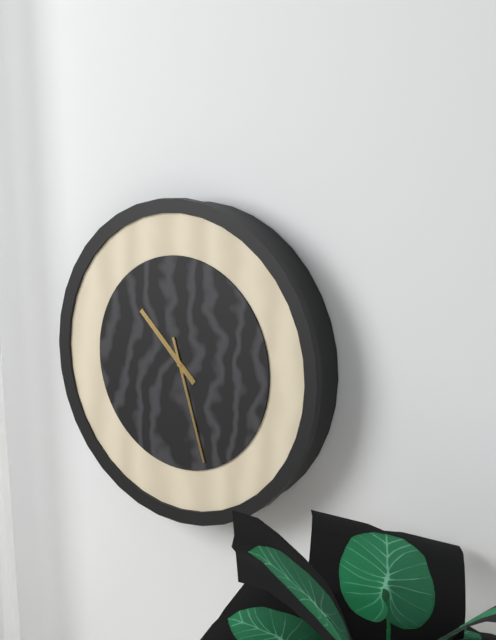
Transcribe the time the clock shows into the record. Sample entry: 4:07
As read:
10:27
